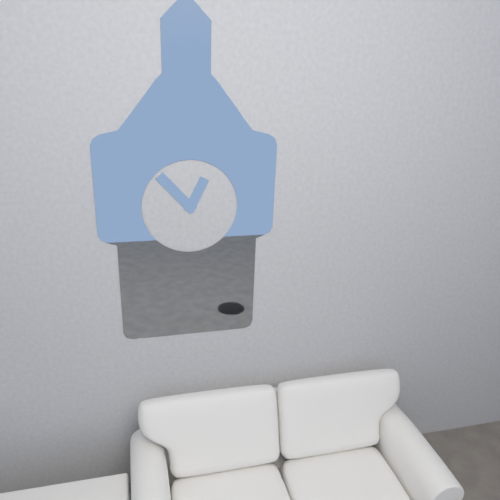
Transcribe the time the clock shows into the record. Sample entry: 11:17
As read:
12:53
